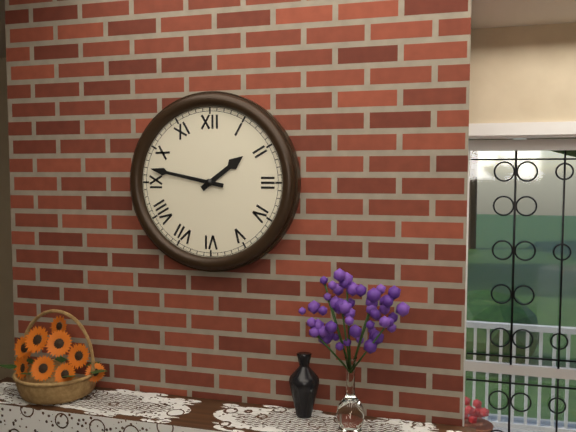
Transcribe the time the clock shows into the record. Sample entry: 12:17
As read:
1:47
